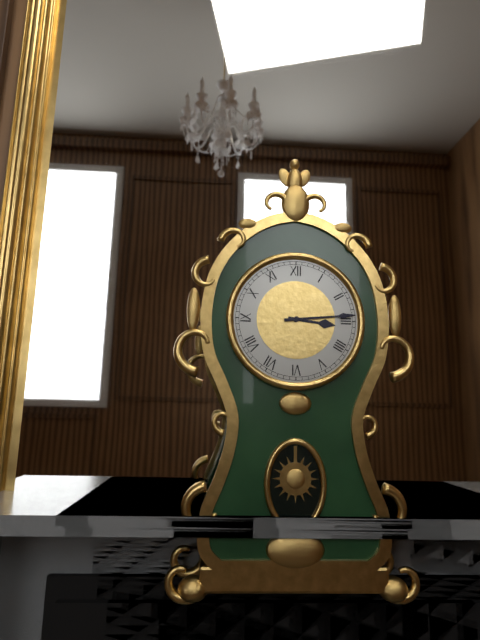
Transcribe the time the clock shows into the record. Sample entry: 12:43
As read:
3:14
